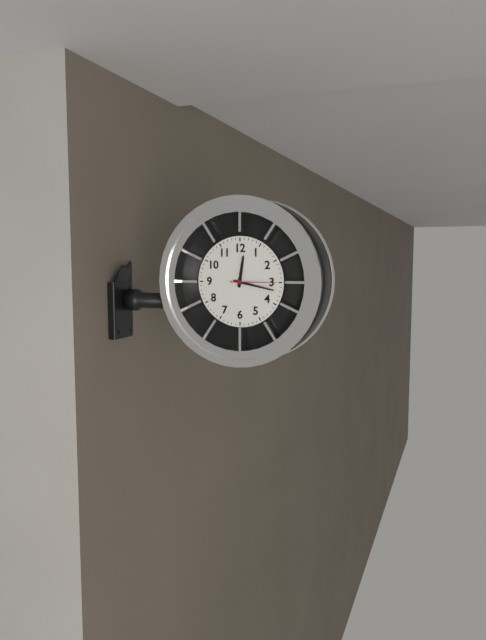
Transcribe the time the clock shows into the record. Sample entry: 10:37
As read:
12:17
